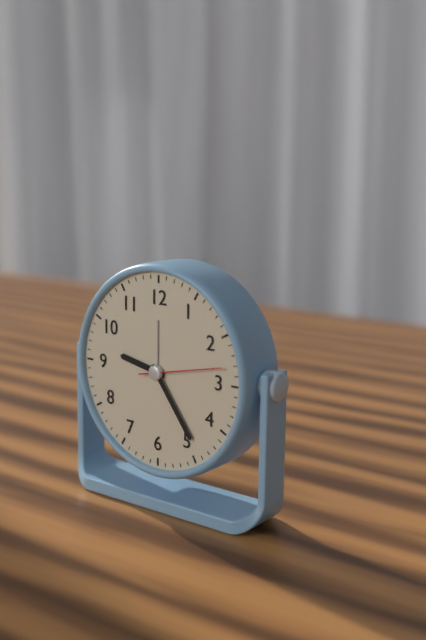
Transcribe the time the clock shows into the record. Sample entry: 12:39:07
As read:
9:24:13
